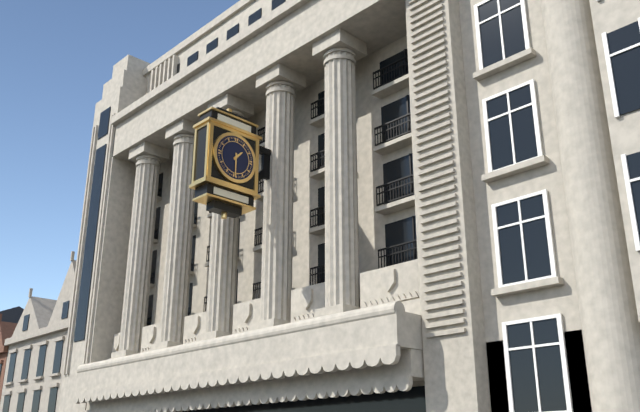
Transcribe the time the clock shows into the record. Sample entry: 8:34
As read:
1:30
